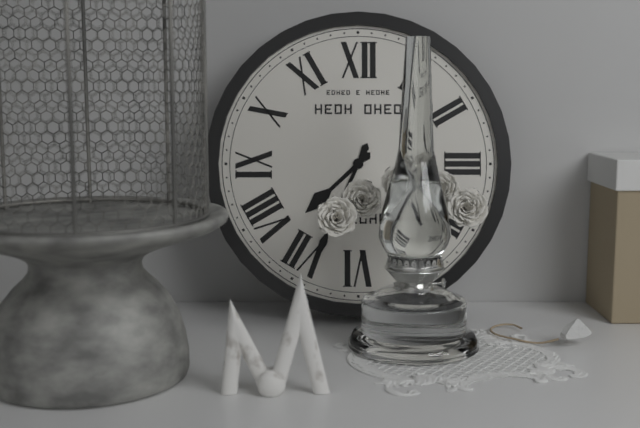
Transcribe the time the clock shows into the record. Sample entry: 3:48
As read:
7:34
